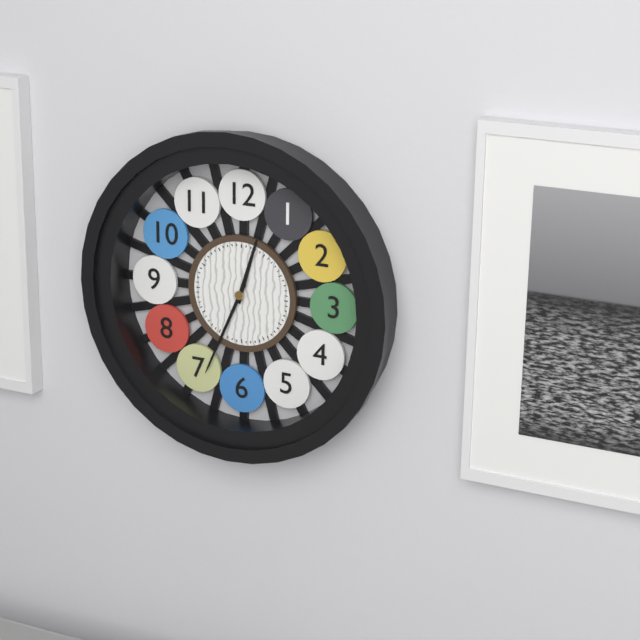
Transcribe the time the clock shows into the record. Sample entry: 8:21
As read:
12:34
